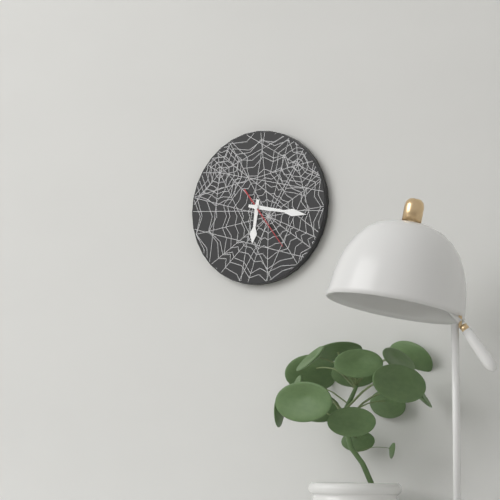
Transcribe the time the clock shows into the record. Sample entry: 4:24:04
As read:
6:17:24
